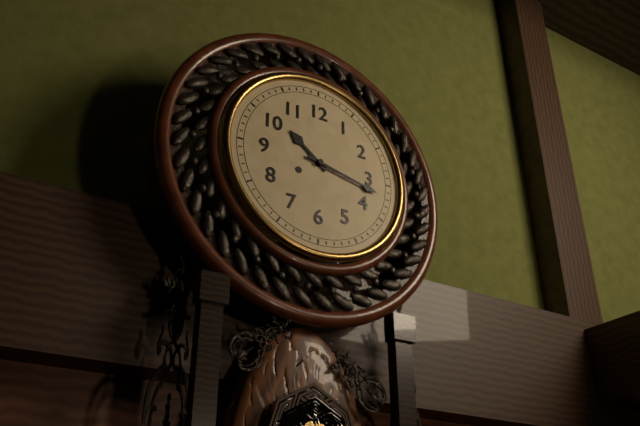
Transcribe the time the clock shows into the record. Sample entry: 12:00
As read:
10:17
